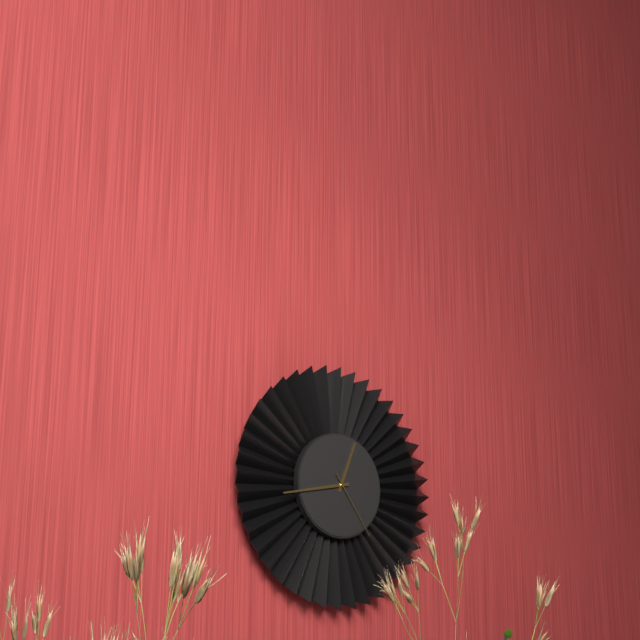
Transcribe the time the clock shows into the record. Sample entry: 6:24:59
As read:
12:43:24
